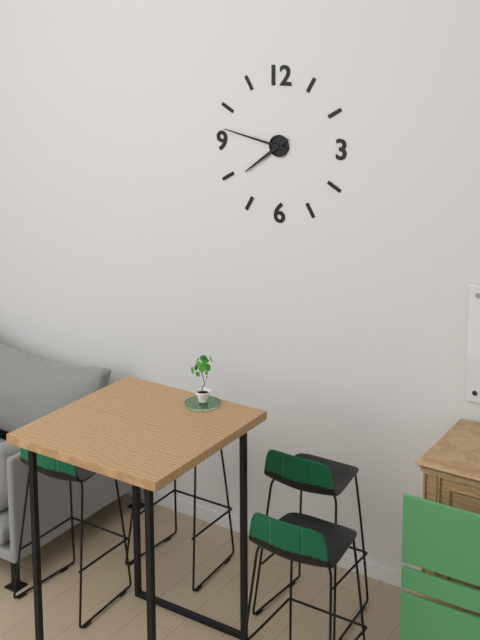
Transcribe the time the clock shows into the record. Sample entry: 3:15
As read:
7:47
